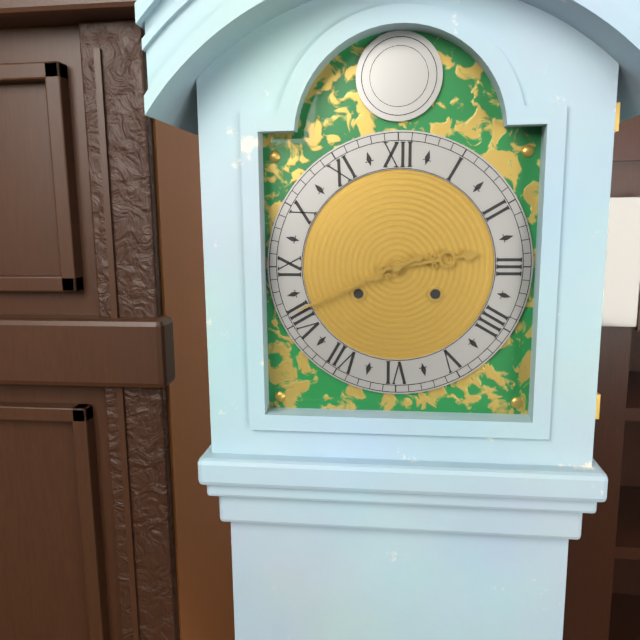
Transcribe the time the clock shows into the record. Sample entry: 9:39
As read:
2:41
